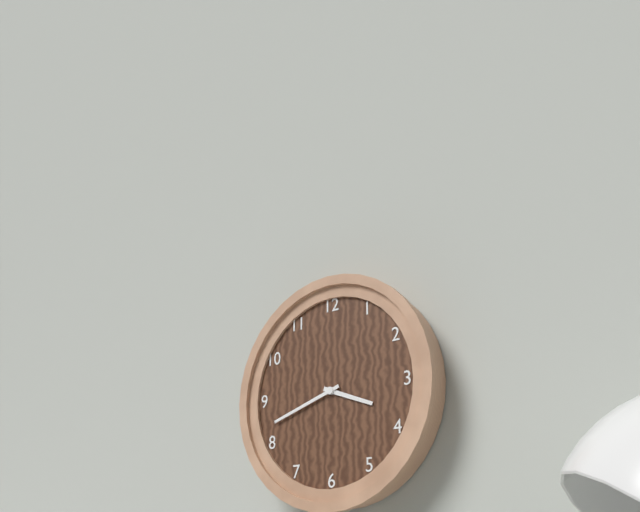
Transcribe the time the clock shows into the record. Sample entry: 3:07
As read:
3:42
